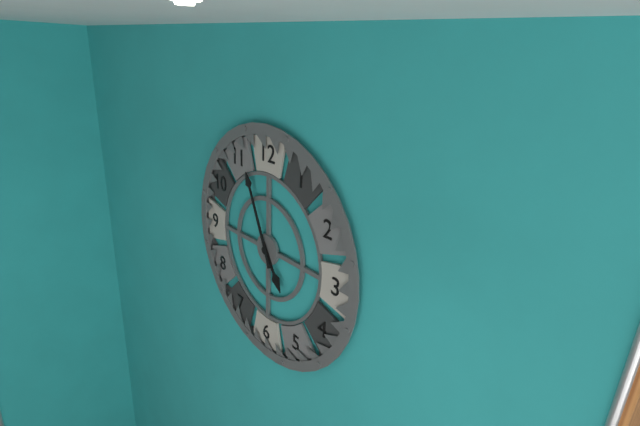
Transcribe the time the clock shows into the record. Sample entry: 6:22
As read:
4:56
